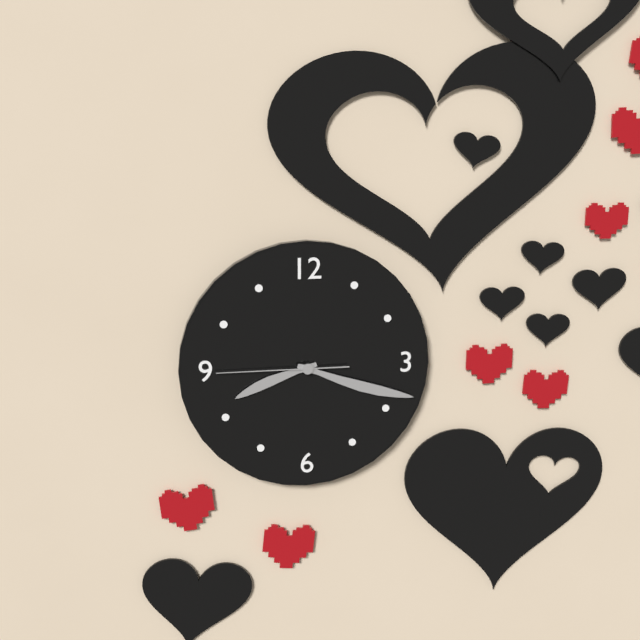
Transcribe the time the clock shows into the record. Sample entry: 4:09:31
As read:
8:18:45
